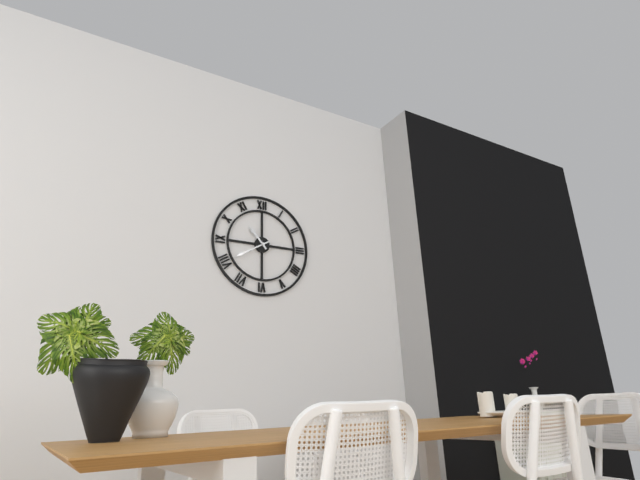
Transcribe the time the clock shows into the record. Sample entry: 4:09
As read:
10:40
